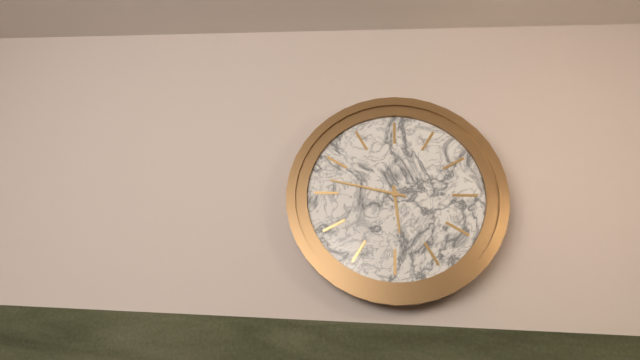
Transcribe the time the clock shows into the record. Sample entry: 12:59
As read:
5:47
